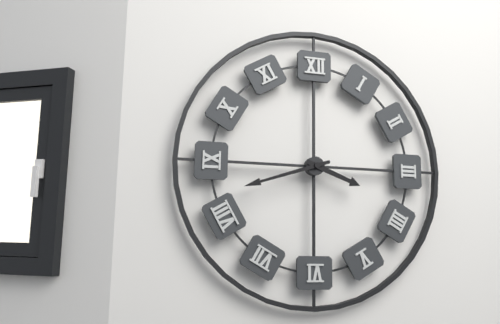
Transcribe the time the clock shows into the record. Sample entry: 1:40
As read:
3:42
